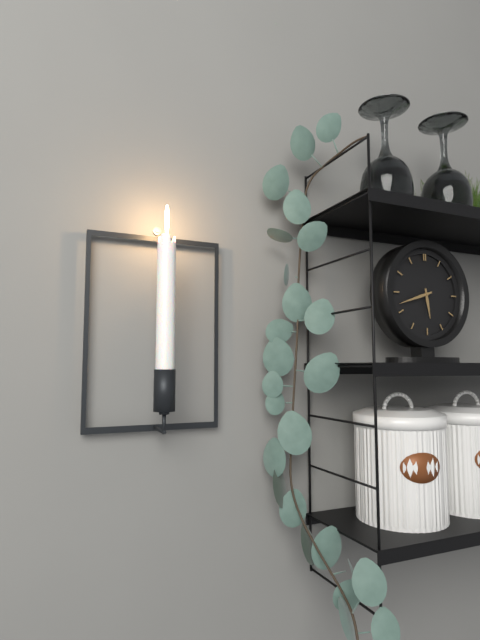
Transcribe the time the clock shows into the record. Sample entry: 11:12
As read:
5:42
